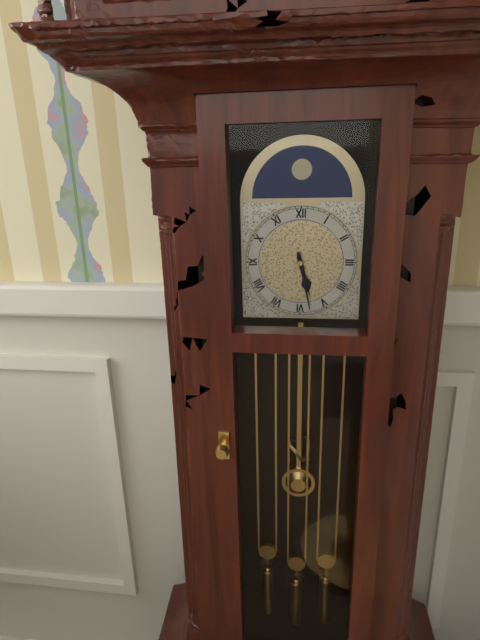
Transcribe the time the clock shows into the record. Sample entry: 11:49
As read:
5:28
